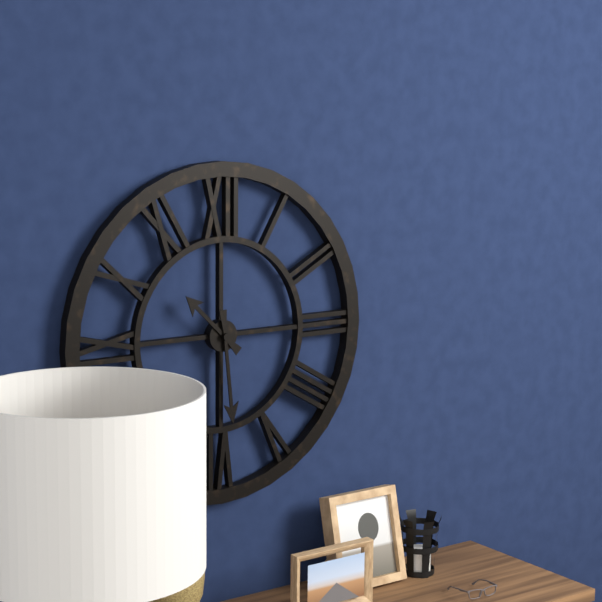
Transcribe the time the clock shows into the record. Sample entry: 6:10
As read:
10:29
